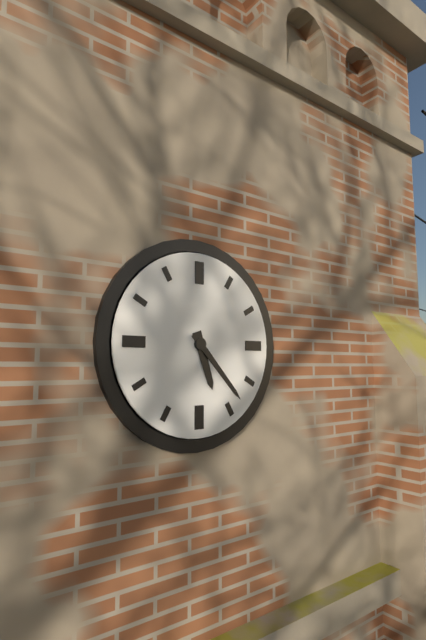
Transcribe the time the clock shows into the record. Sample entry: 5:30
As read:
5:23
